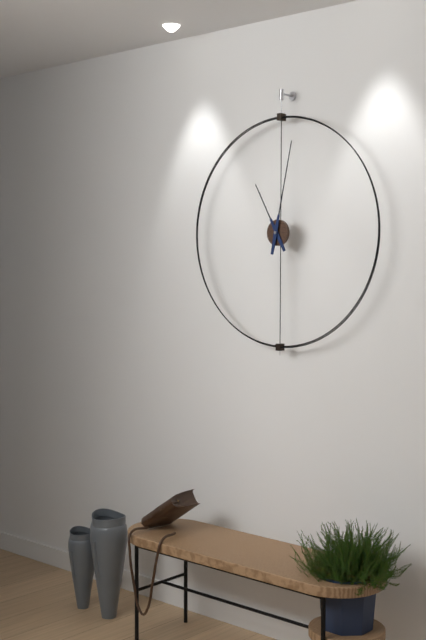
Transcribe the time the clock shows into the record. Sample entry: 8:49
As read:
11:02
